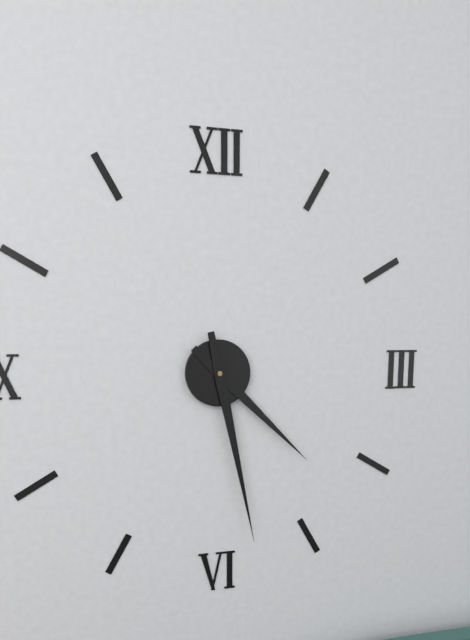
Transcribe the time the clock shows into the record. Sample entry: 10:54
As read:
4:28
